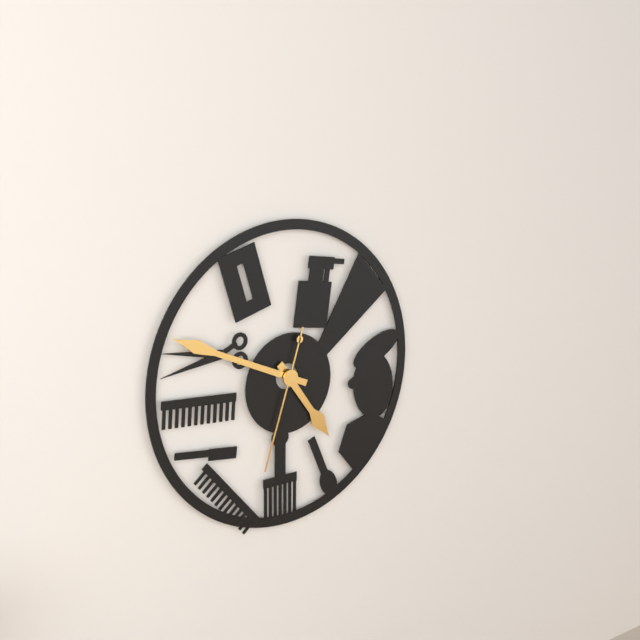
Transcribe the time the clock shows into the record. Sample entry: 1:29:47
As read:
4:49:33
